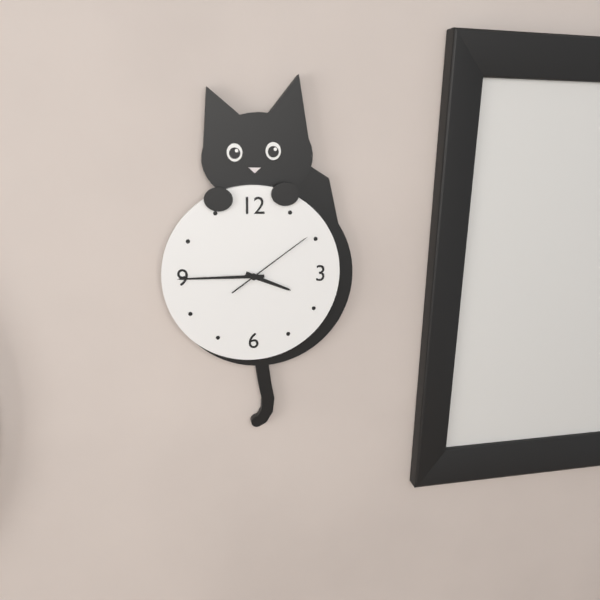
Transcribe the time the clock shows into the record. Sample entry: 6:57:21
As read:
3:45:09
